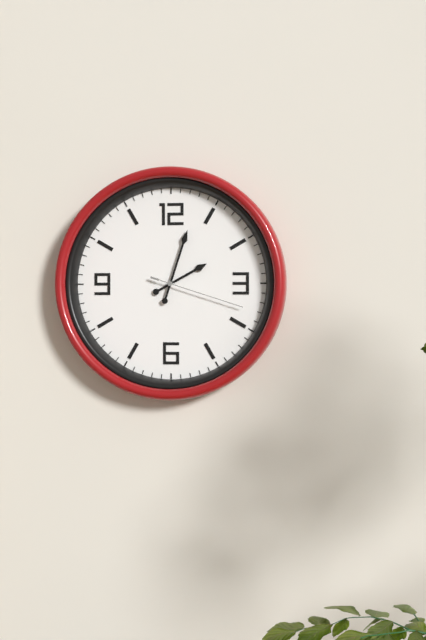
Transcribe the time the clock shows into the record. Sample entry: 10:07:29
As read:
2:03:18
